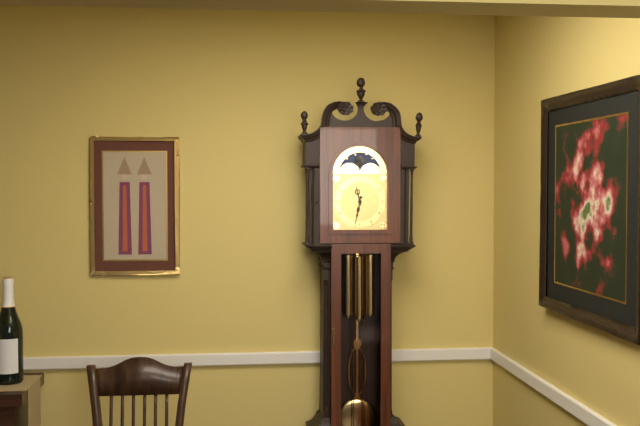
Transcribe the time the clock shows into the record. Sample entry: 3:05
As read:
11:32
